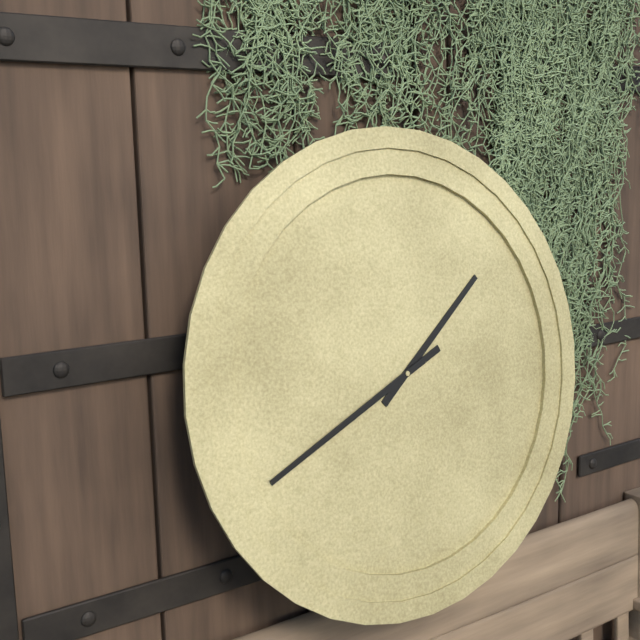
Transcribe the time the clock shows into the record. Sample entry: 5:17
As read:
1:41
